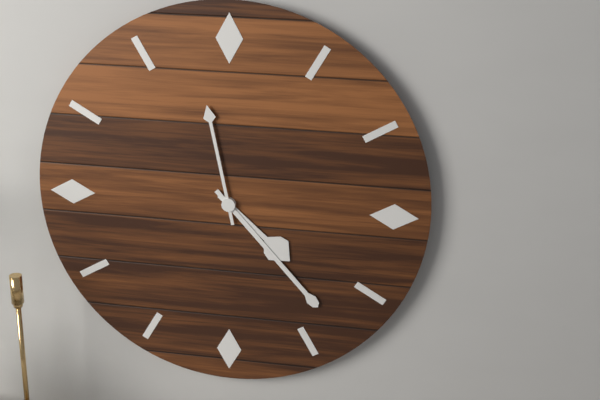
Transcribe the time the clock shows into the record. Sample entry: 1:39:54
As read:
4:23:58
